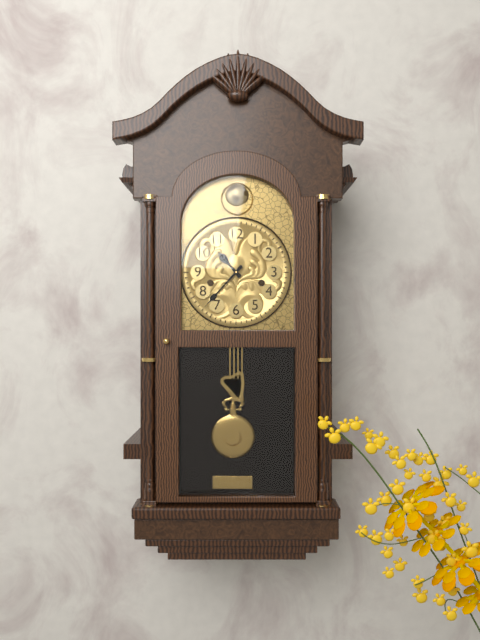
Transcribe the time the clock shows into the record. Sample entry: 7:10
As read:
10:37
